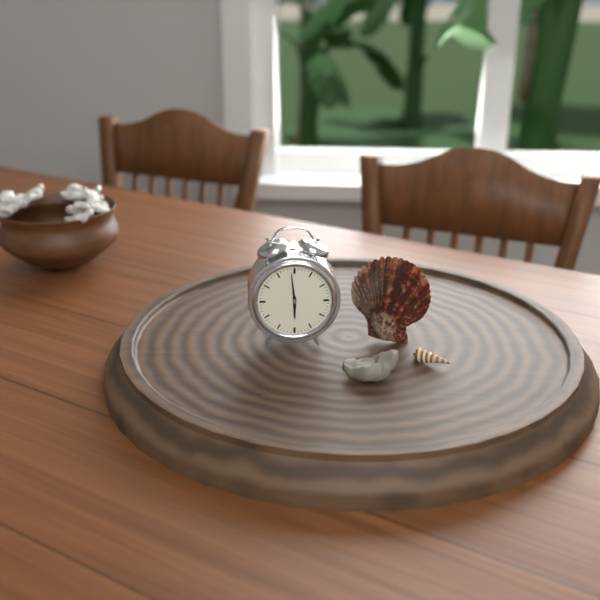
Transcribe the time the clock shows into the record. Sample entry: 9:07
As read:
5:59
